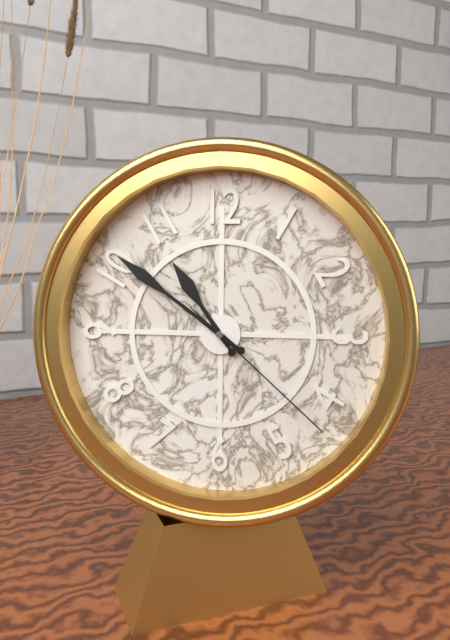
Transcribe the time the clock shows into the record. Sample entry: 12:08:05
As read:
10:51:22
